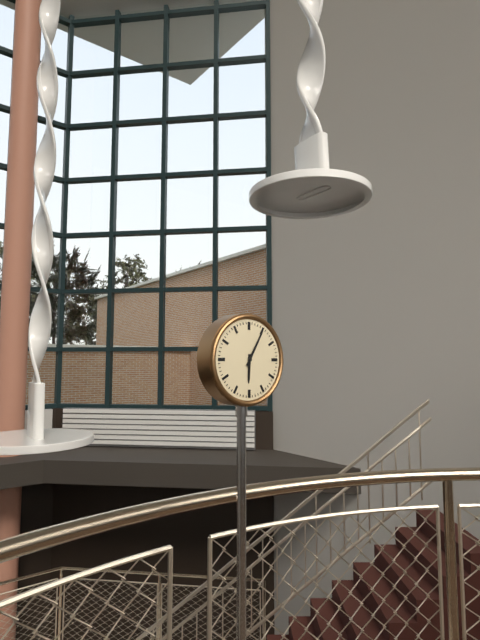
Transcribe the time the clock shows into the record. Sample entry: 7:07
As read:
6:05
